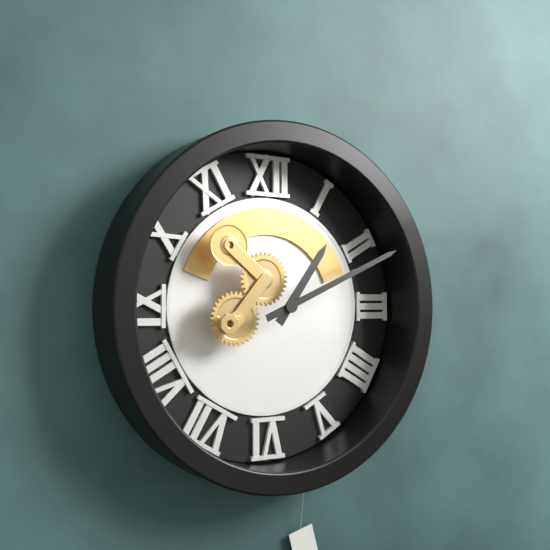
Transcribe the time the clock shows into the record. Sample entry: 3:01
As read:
1:11
